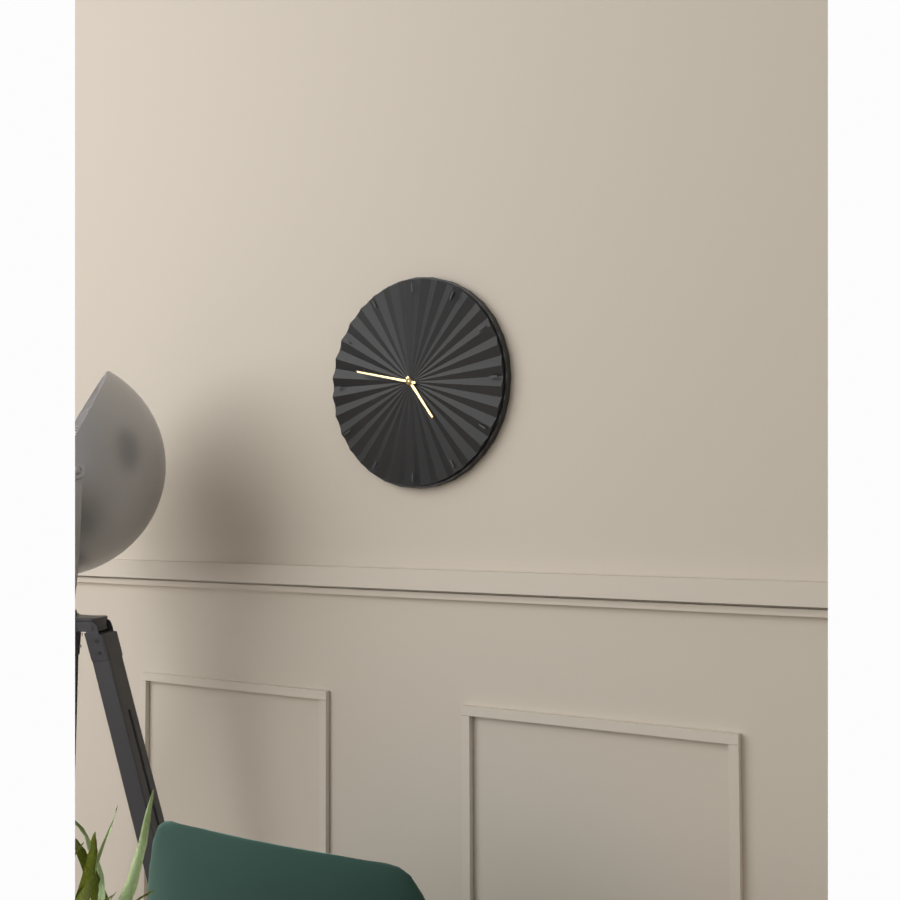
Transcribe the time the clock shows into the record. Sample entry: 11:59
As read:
4:47
